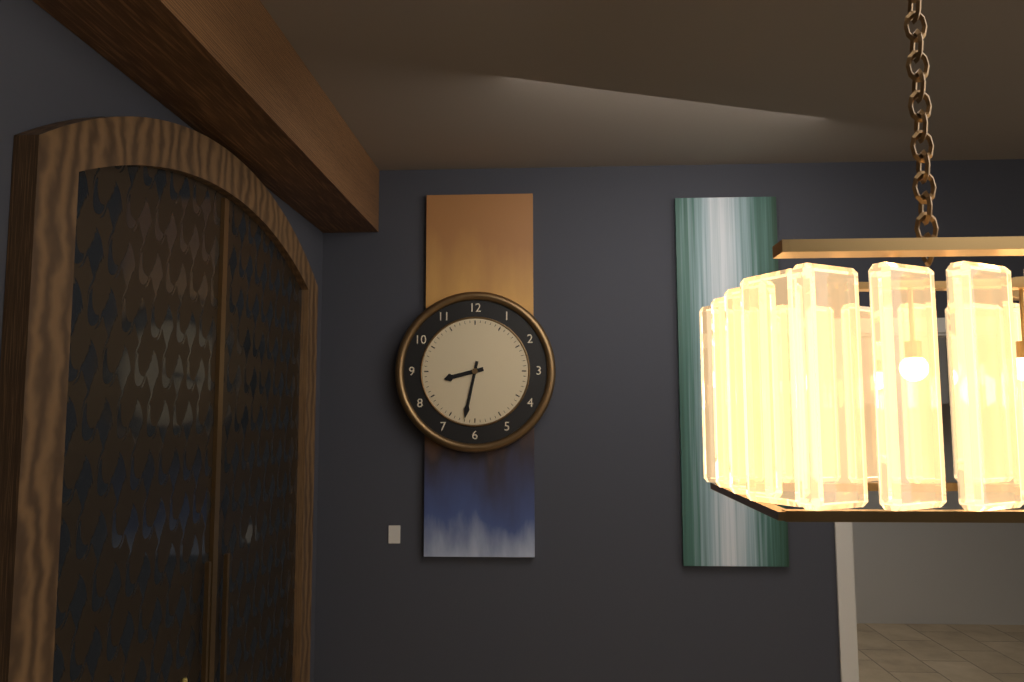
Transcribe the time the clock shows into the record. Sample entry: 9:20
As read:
8:32
